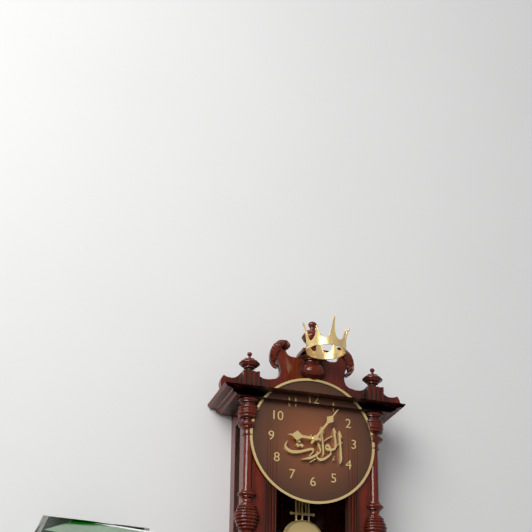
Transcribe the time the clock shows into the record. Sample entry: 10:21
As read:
9:06
